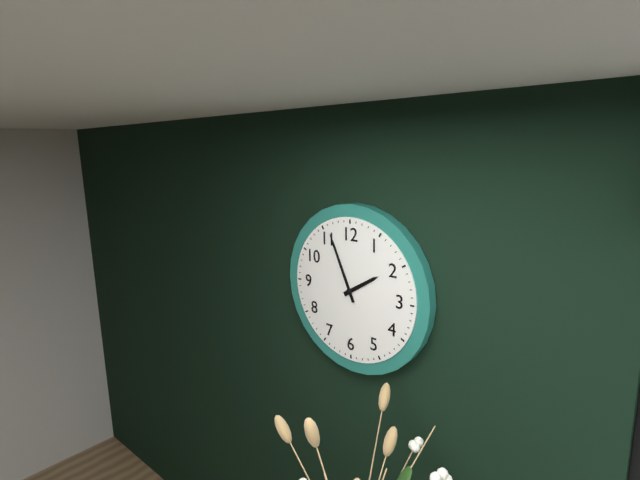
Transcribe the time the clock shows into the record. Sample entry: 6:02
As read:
1:56
